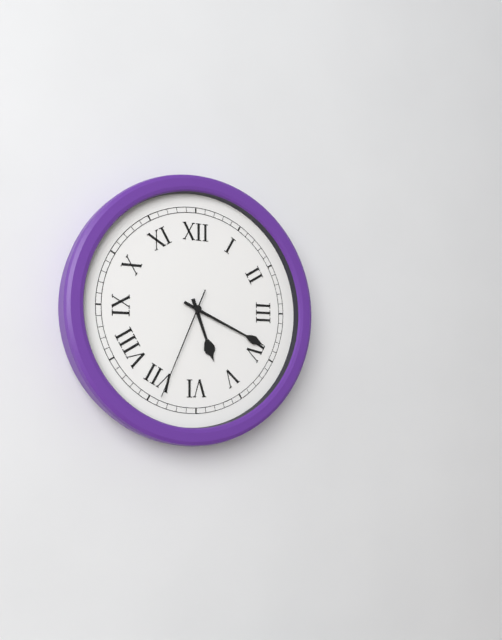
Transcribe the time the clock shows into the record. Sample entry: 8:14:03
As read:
5:19:34
